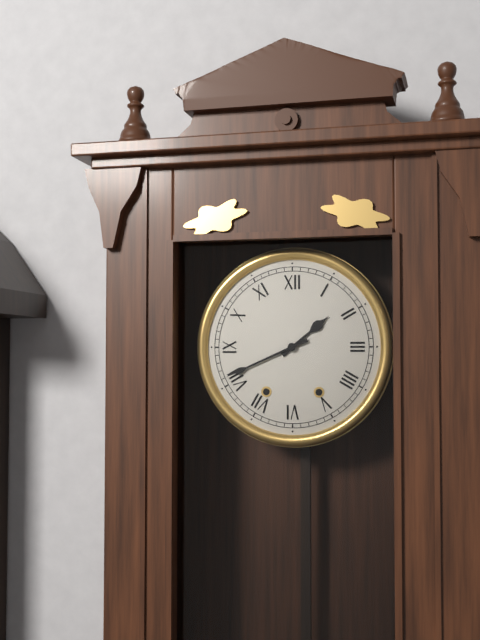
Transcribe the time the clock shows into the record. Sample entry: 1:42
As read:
1:41
